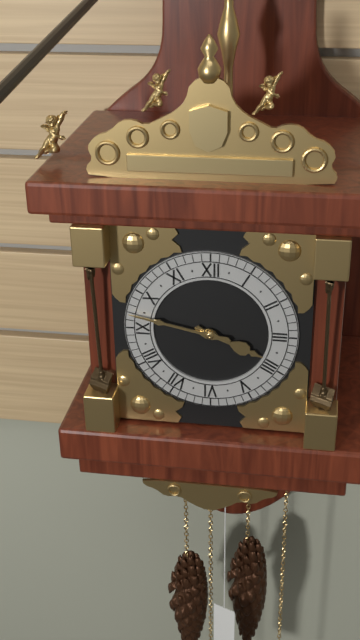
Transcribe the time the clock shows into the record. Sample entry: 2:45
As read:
3:47
